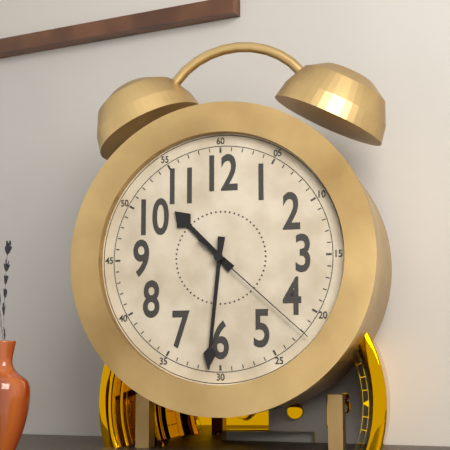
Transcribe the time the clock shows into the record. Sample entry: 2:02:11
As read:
10:31:22
